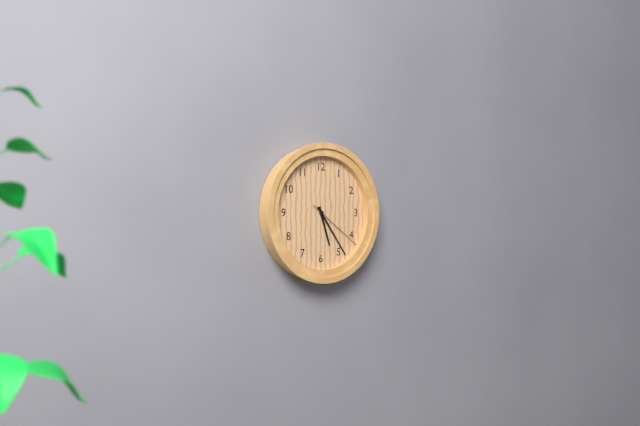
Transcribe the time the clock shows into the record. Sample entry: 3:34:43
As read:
5:24:21
